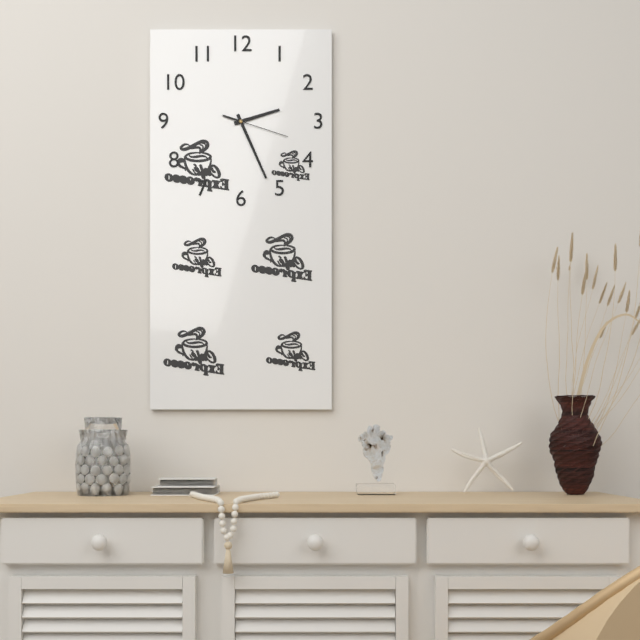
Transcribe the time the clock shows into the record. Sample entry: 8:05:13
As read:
2:26:18
